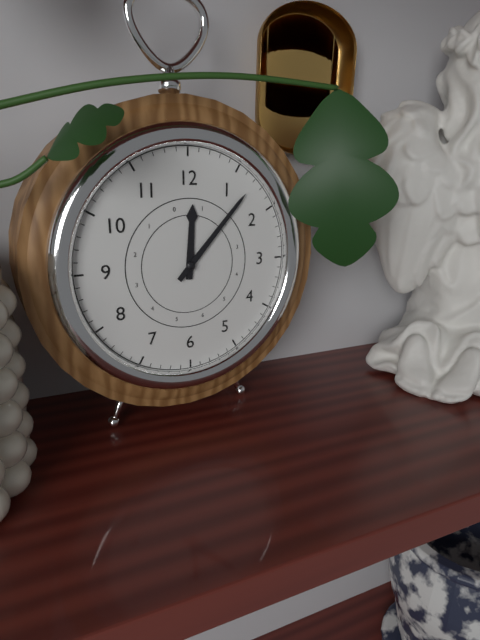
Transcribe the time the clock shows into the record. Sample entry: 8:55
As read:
12:07
